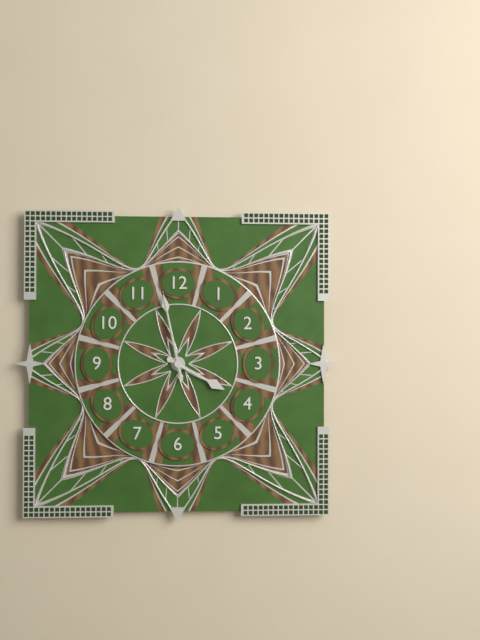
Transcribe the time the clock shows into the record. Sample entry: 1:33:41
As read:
3:58:58
